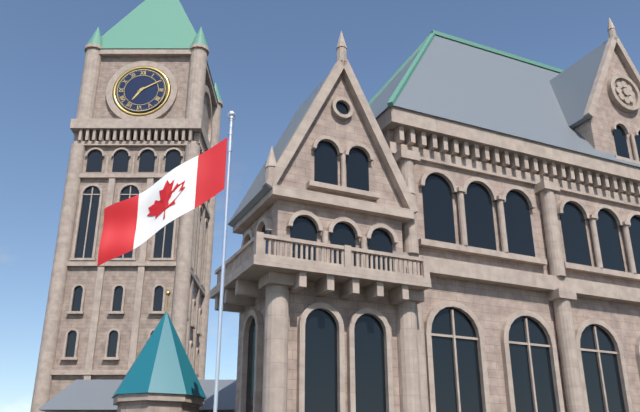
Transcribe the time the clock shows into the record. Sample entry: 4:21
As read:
7:10
